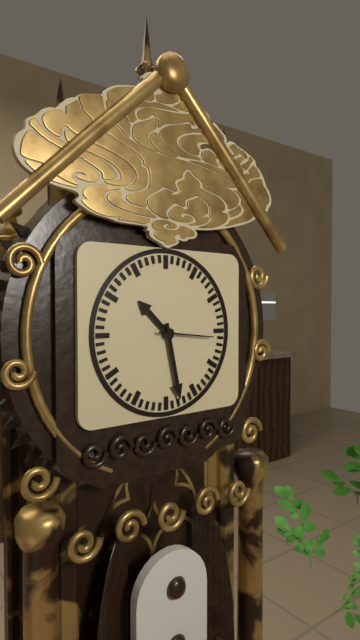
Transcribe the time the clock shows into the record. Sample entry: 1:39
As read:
10:28
